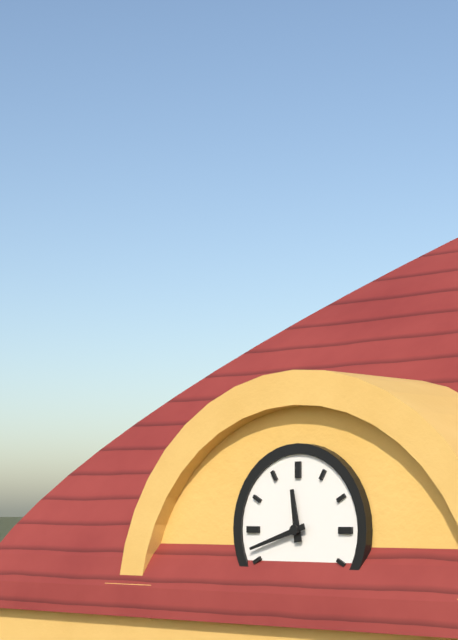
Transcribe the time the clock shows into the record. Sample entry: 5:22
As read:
11:42
